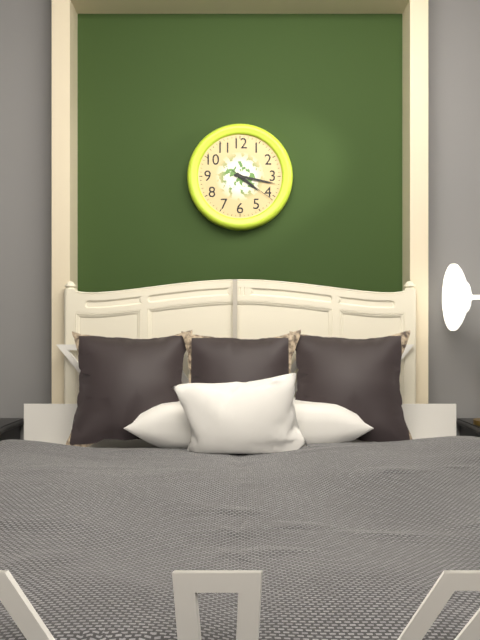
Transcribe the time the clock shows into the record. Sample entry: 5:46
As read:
4:17
